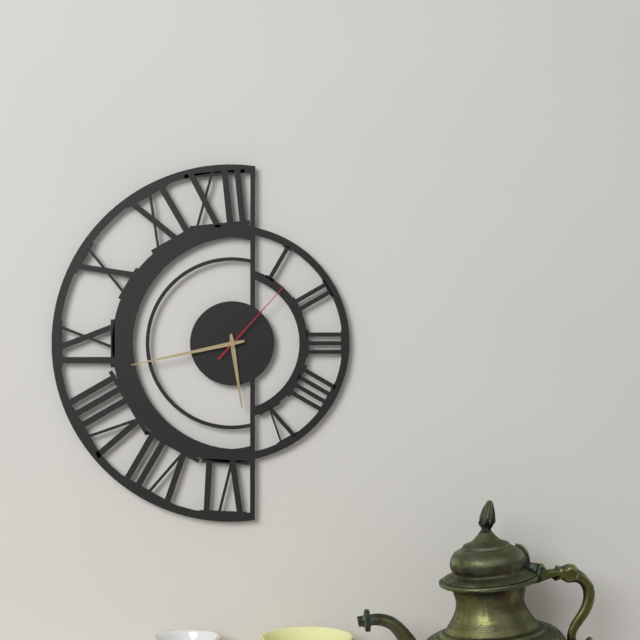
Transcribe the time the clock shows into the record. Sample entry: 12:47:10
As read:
5:43:07
